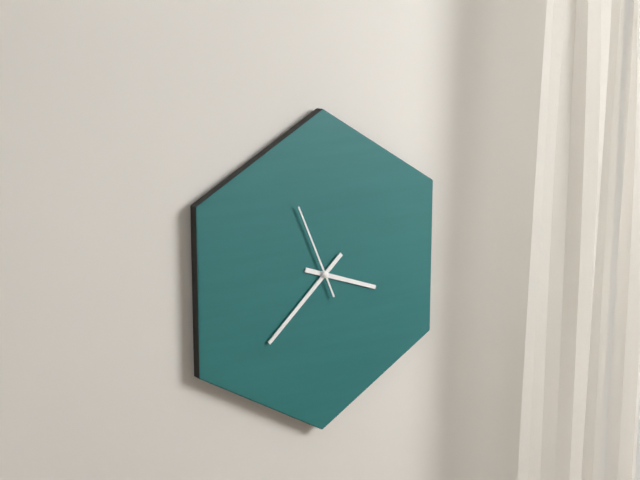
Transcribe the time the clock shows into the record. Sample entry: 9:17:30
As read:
3:38:56
